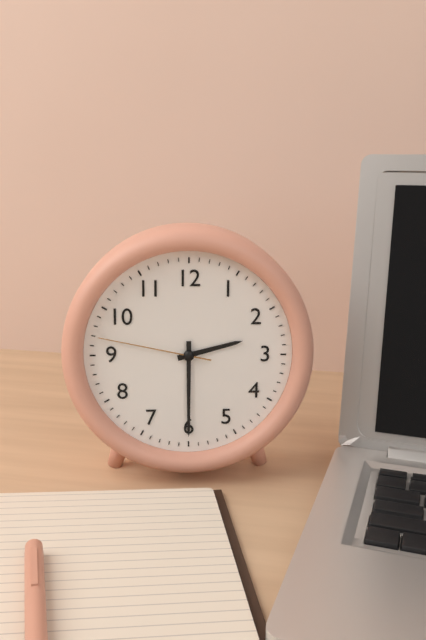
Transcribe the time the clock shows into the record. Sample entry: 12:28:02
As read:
2:30:47
